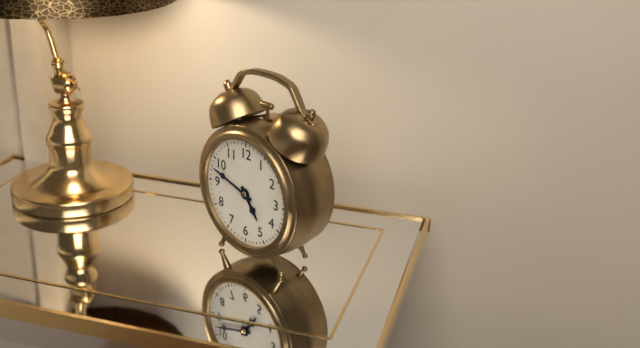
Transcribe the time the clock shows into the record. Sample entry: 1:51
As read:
4:48
